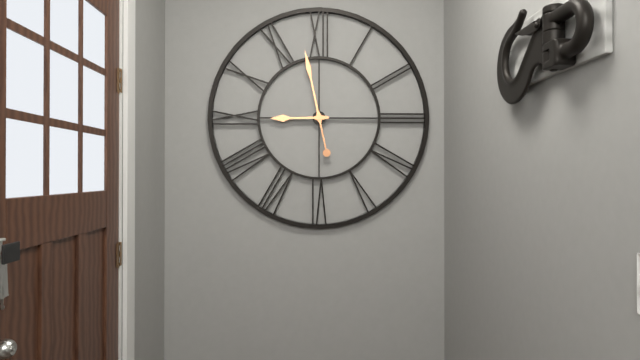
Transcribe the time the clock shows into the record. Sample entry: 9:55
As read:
8:58
